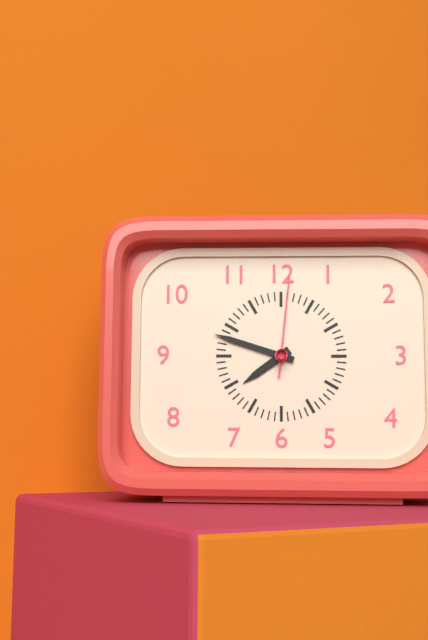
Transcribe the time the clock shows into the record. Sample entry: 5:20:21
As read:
7:48:01
